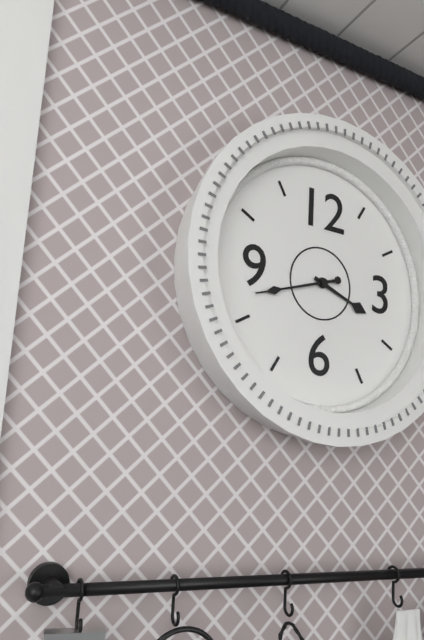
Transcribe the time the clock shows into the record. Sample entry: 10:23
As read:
3:42
